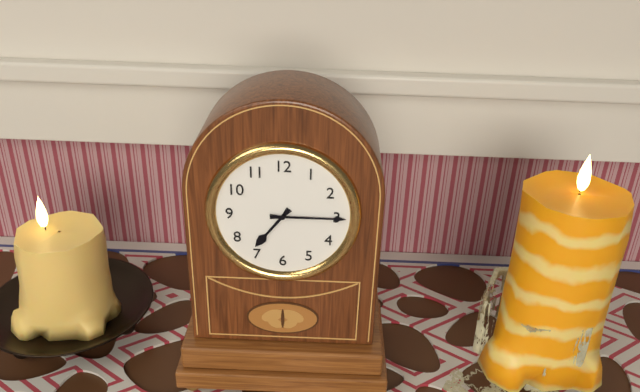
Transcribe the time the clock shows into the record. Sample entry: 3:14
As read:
7:15
